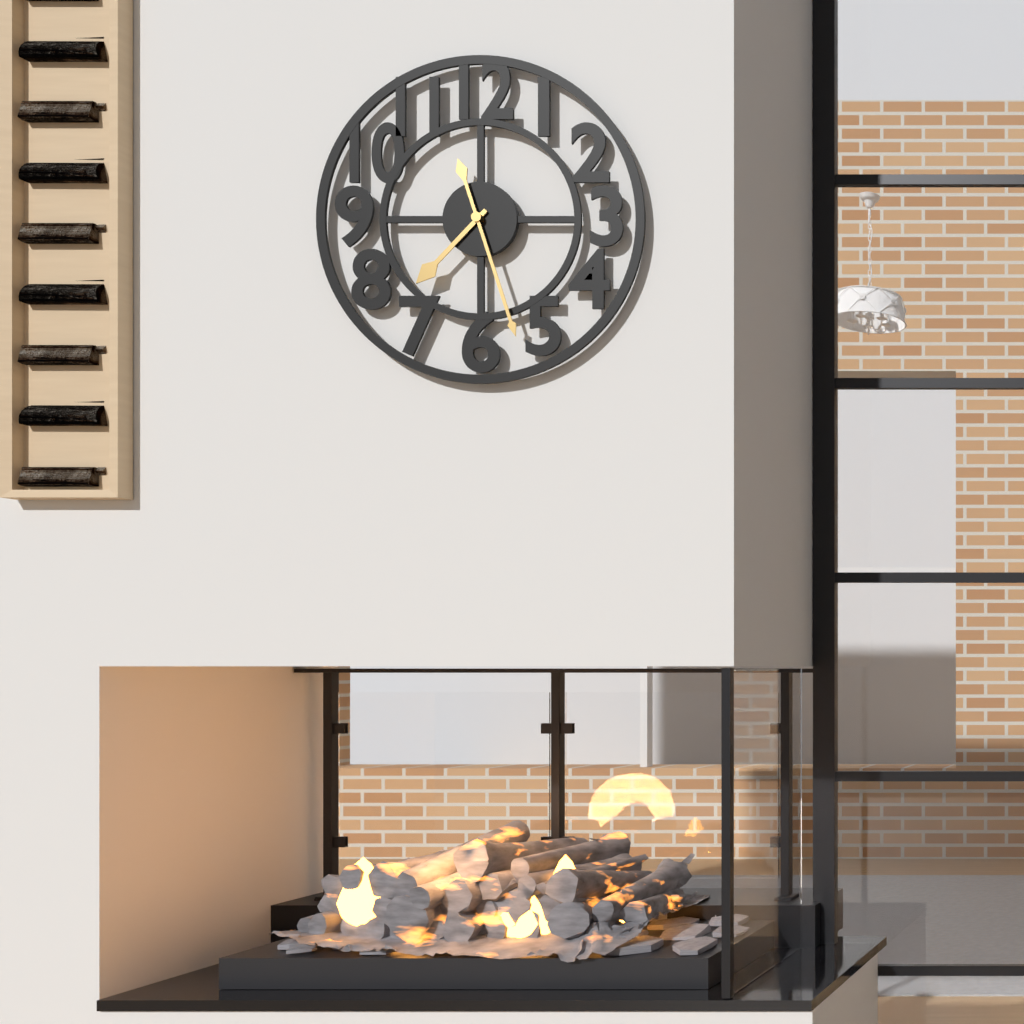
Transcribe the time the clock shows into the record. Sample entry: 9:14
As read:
7:27
